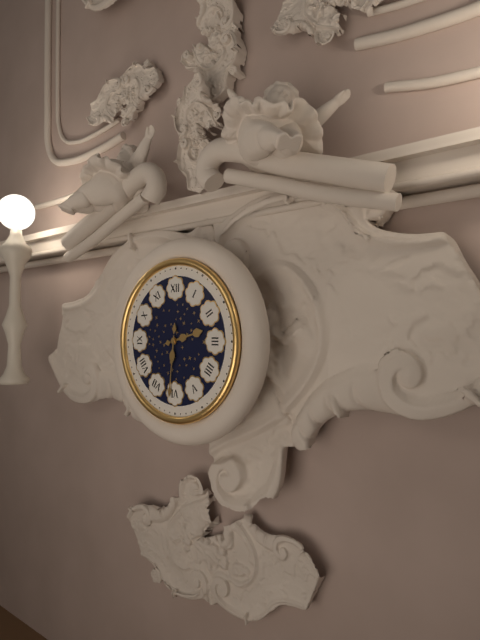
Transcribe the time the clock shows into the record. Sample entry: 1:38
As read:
2:31
